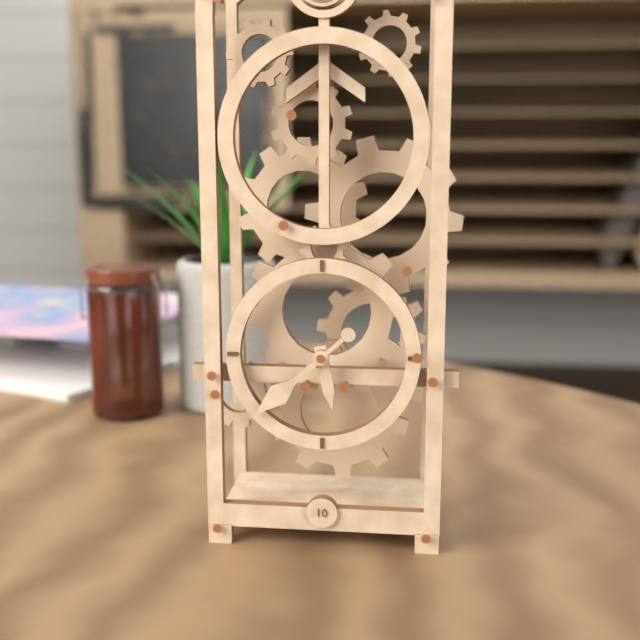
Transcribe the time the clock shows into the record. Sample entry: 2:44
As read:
5:38
